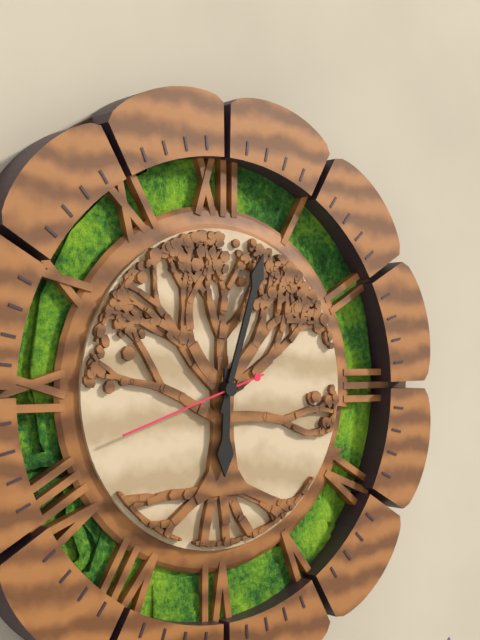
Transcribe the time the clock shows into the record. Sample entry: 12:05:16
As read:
6:03:42
